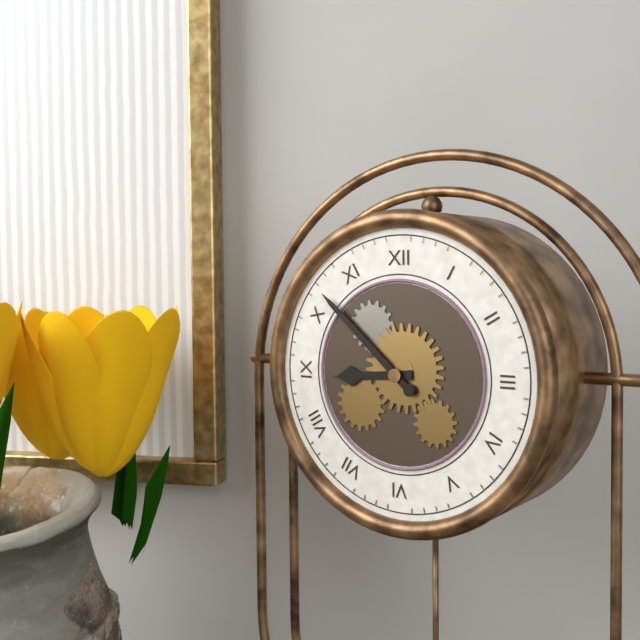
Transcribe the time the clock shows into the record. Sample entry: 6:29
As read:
8:52
